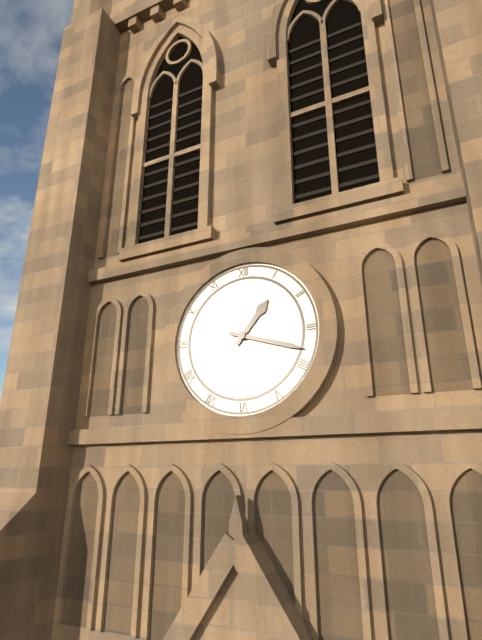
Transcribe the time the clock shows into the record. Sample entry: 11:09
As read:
1:18
